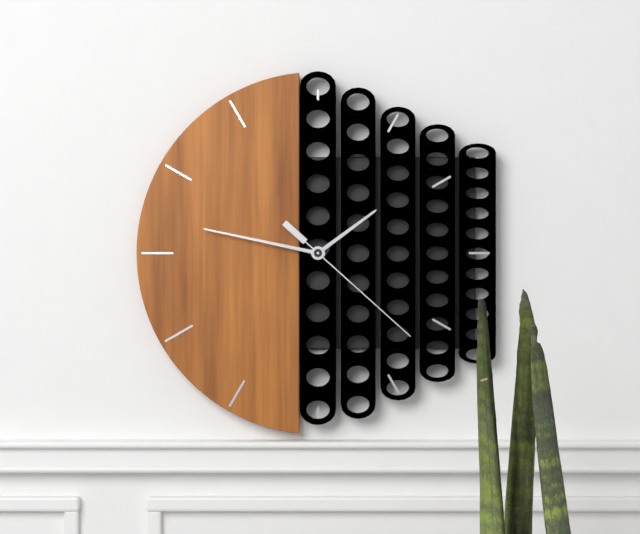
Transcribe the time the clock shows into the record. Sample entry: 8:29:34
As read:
1:47:22
